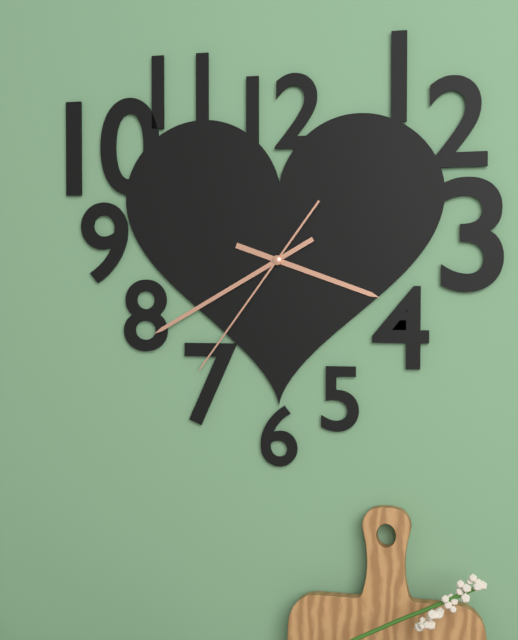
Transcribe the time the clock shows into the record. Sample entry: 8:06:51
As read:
3:40:36
